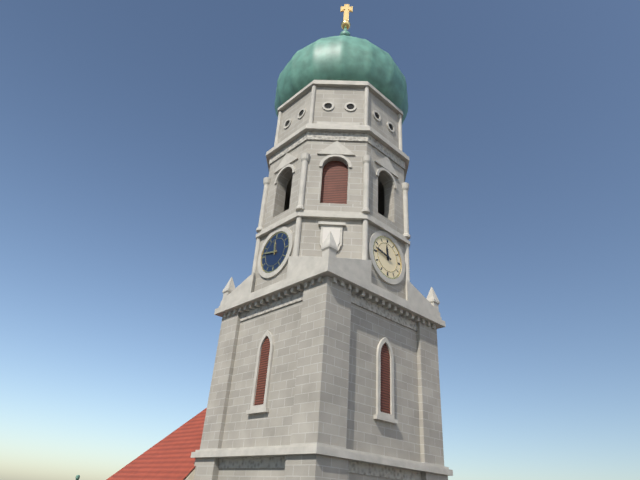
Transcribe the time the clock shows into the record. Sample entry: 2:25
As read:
11:47
